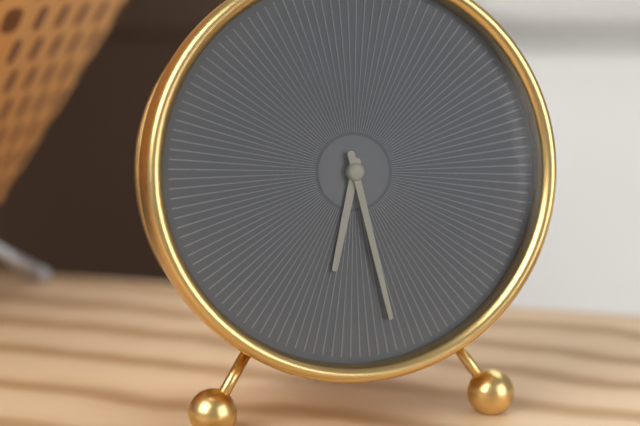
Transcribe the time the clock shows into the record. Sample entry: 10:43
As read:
6:28
